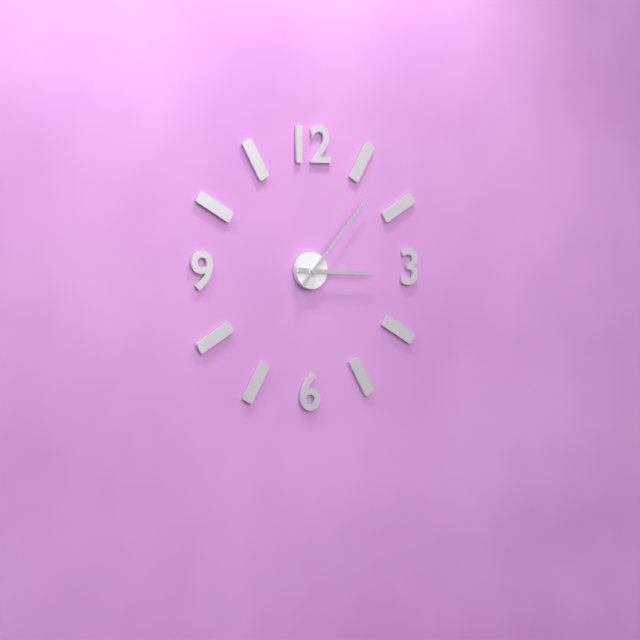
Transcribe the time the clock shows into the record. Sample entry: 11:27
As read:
3:07
